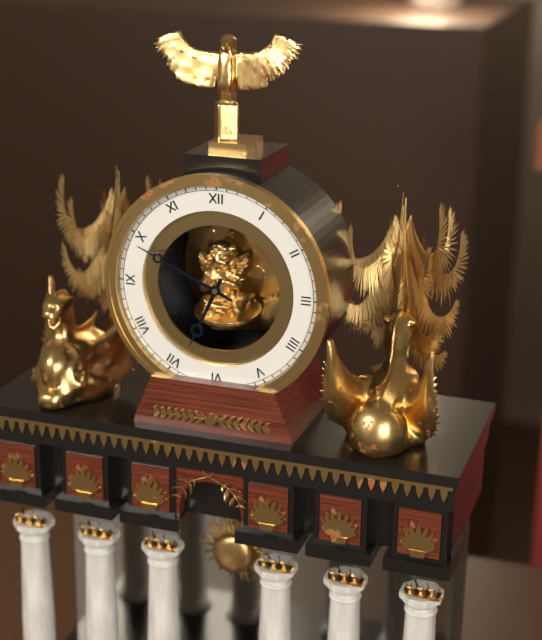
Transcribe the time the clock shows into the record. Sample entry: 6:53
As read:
6:49
